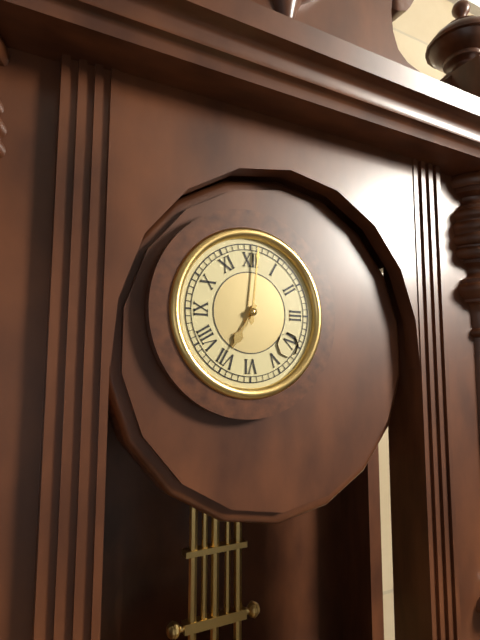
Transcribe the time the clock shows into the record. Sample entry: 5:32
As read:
7:01
